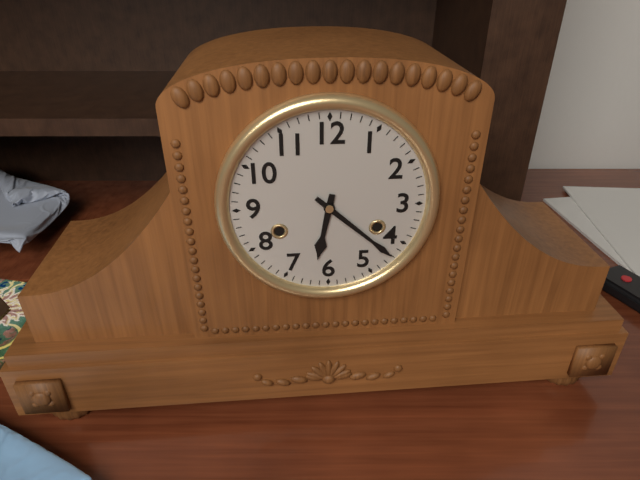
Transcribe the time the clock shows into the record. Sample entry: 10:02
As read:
6:22
